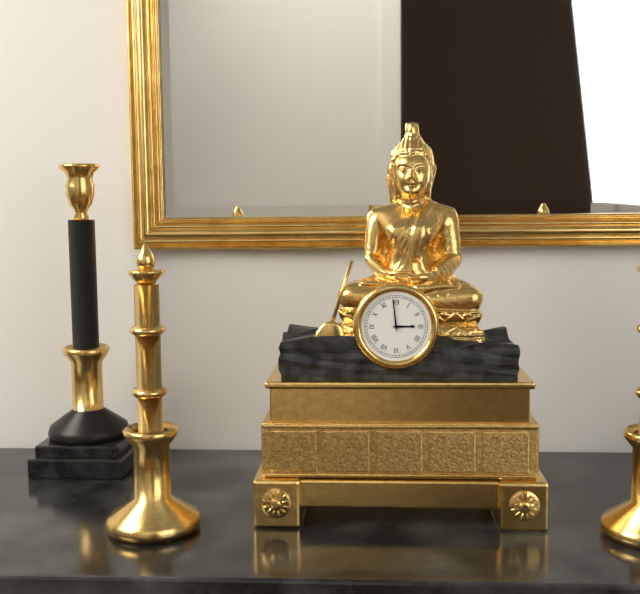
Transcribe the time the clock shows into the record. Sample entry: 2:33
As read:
2:59
